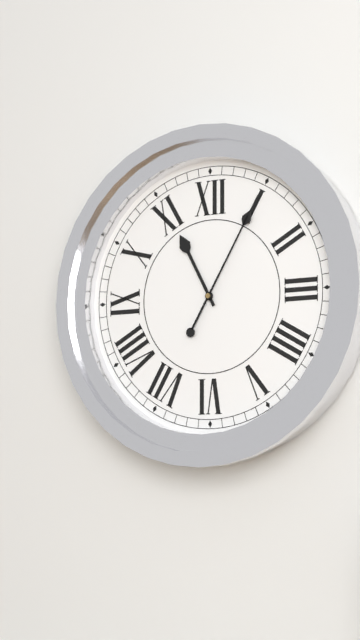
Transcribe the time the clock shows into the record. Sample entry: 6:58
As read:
11:05
